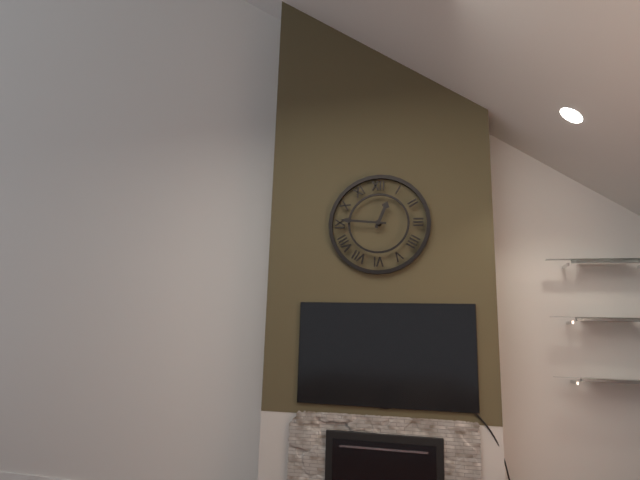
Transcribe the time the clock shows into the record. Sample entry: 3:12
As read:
12:46
